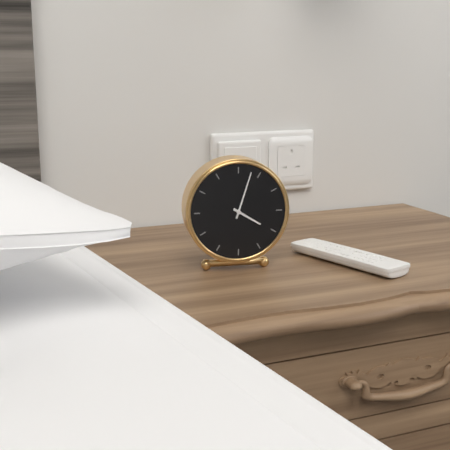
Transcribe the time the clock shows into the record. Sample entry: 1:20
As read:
4:03
